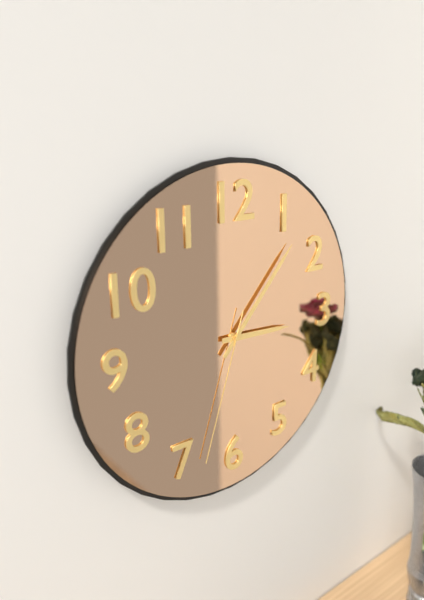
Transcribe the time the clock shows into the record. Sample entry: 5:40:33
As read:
3:07:33
